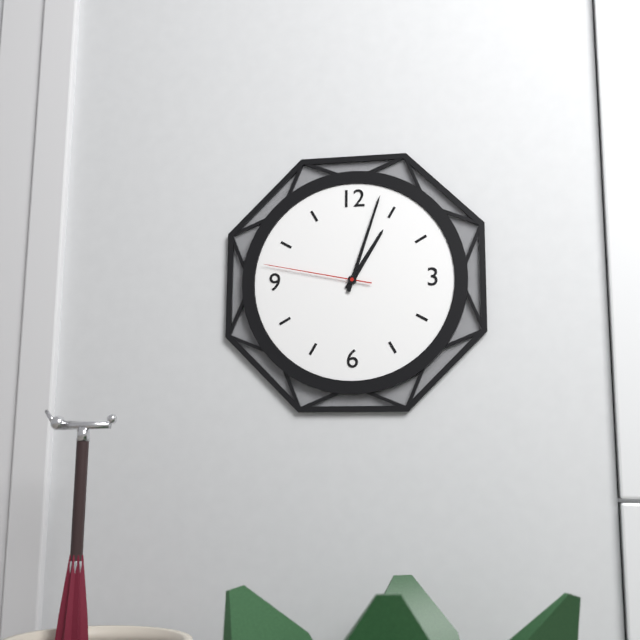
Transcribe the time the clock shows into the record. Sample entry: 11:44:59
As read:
1:03:47
